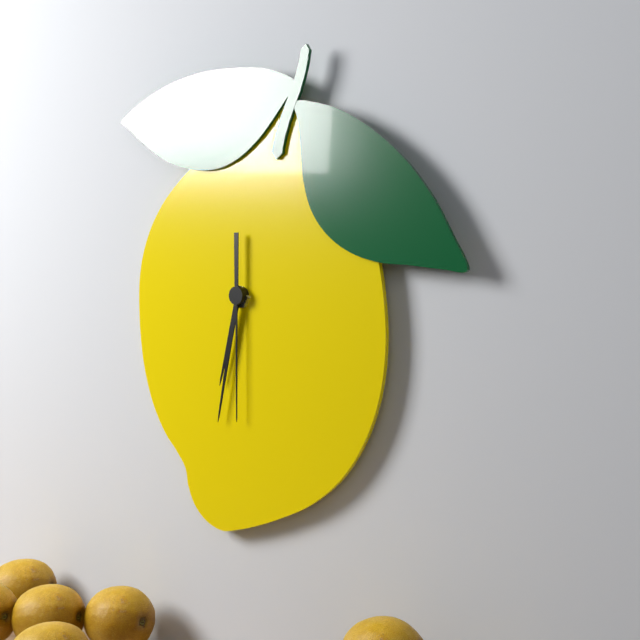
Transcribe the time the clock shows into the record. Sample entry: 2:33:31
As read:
6:32:30
